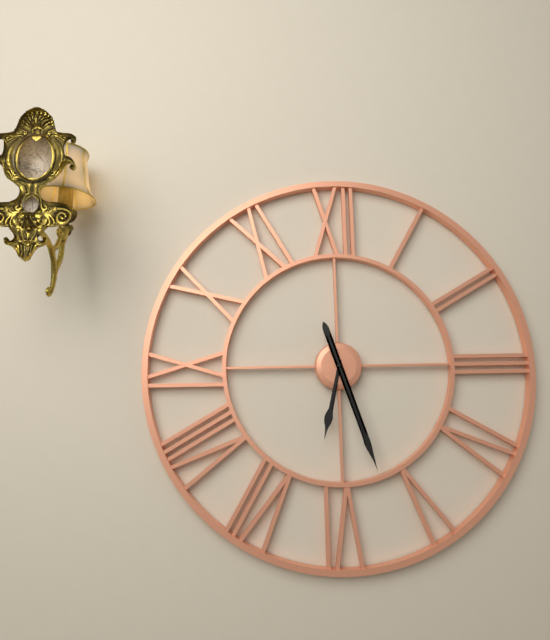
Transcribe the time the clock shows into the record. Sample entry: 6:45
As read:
6:27
